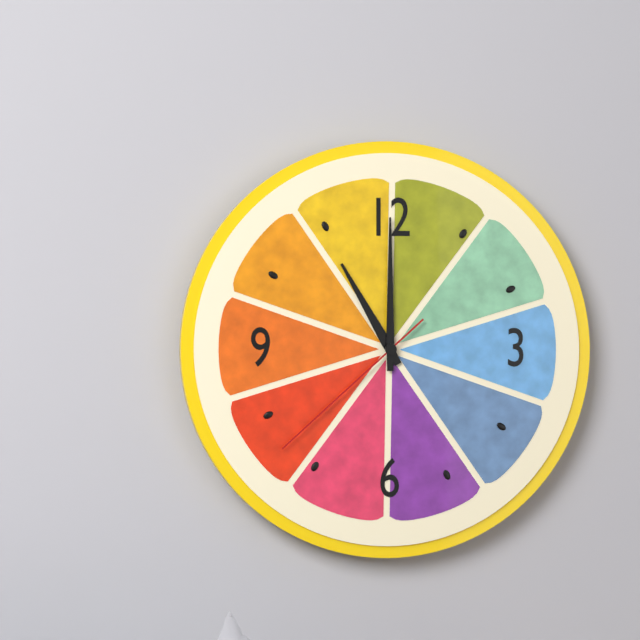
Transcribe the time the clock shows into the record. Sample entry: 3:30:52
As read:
11:00:38
